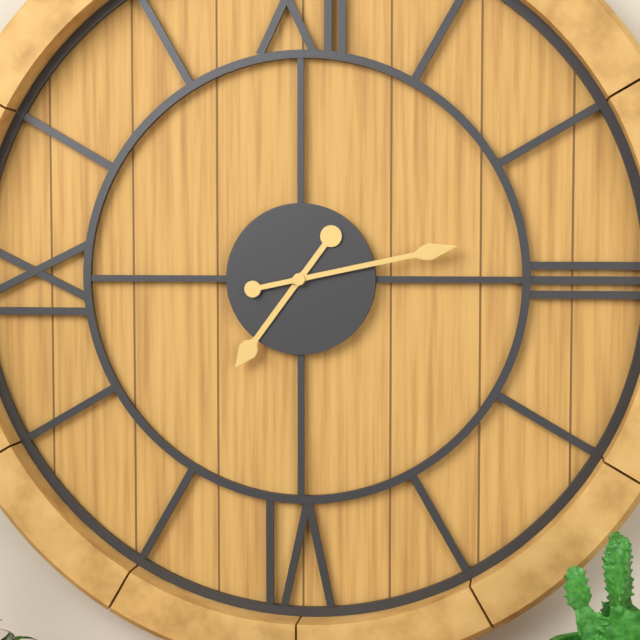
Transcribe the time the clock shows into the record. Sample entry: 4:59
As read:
7:13
